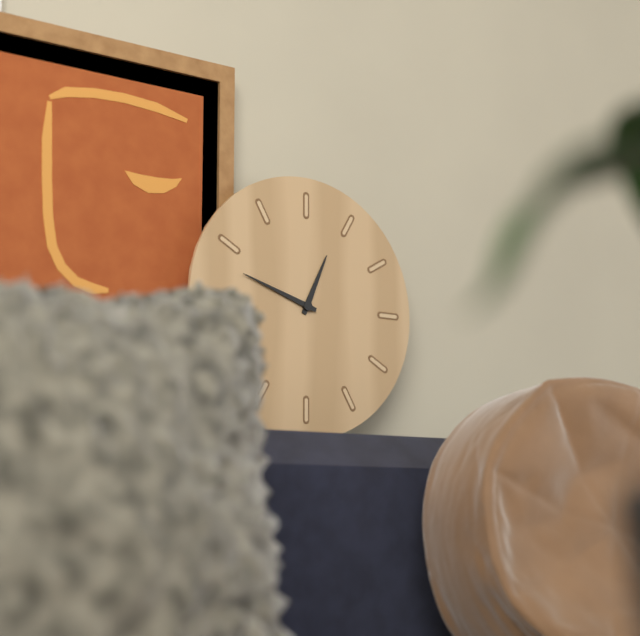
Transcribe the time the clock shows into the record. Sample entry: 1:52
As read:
12:48
